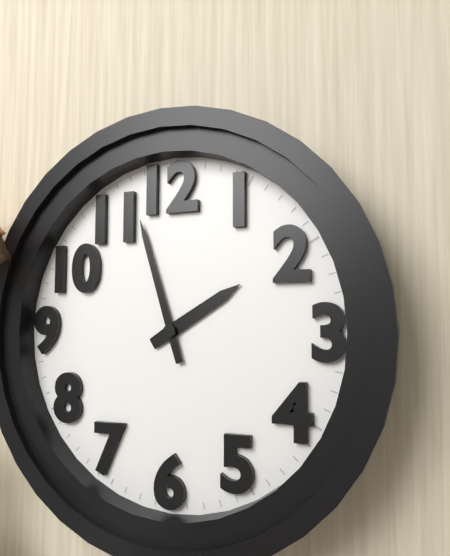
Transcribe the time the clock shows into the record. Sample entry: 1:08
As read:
1:57
